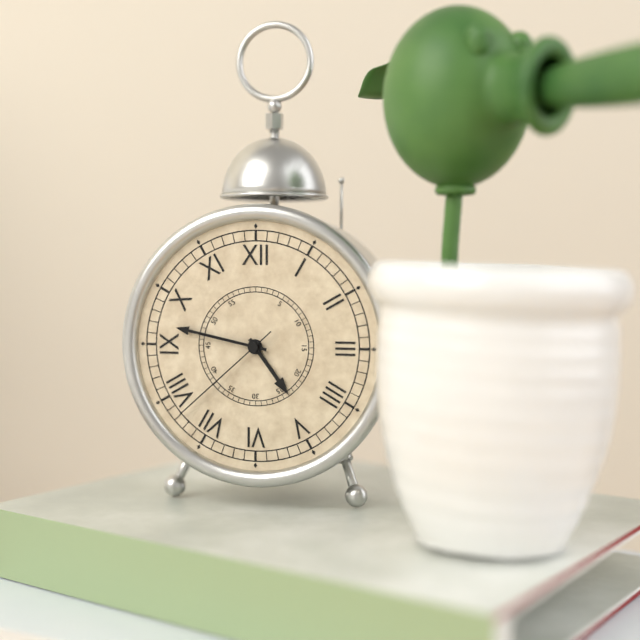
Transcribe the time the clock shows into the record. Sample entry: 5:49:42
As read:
4:47:38
